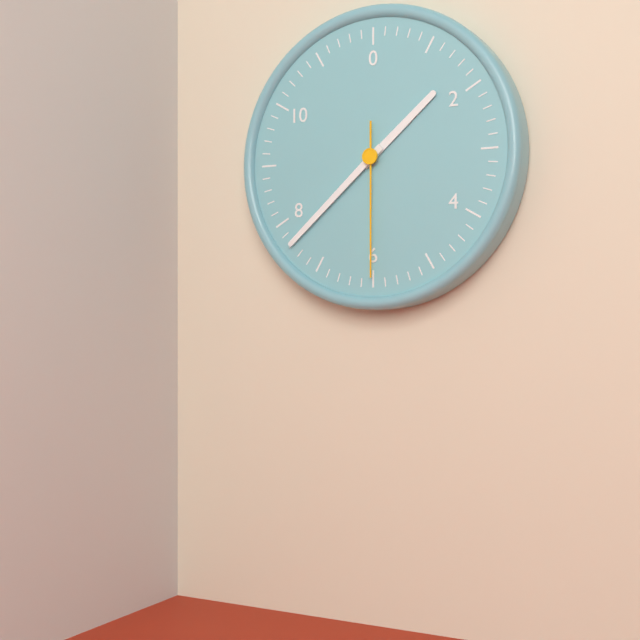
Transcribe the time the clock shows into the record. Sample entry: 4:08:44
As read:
1:38:30
